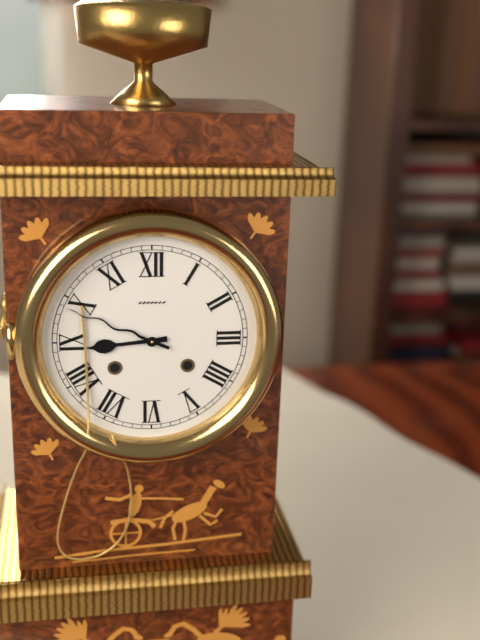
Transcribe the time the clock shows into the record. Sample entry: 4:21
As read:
8:49
